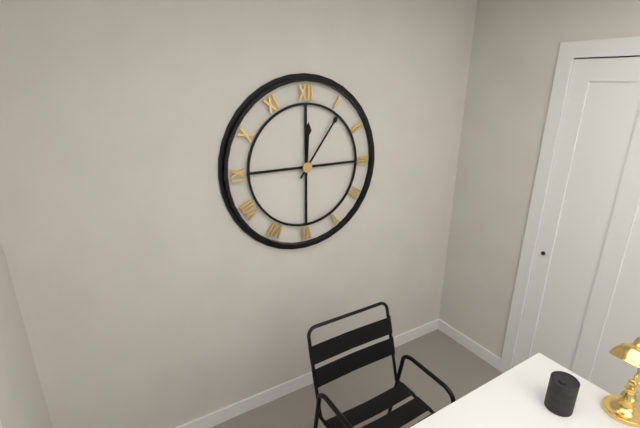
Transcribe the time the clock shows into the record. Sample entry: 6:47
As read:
12:06
